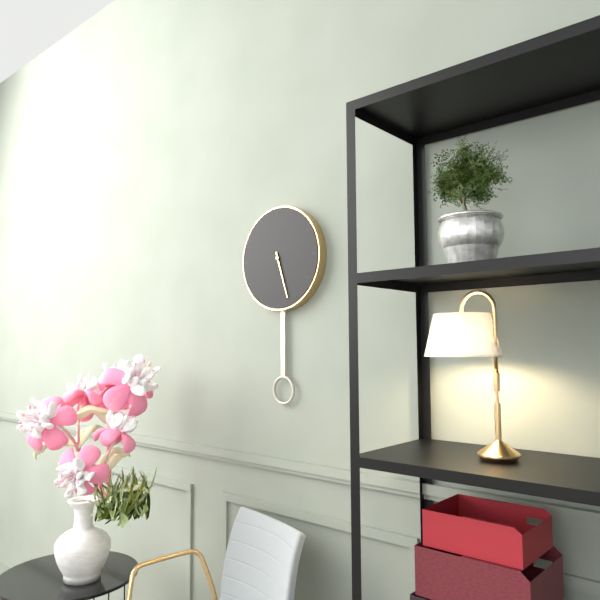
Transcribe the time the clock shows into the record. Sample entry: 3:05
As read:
5:27
